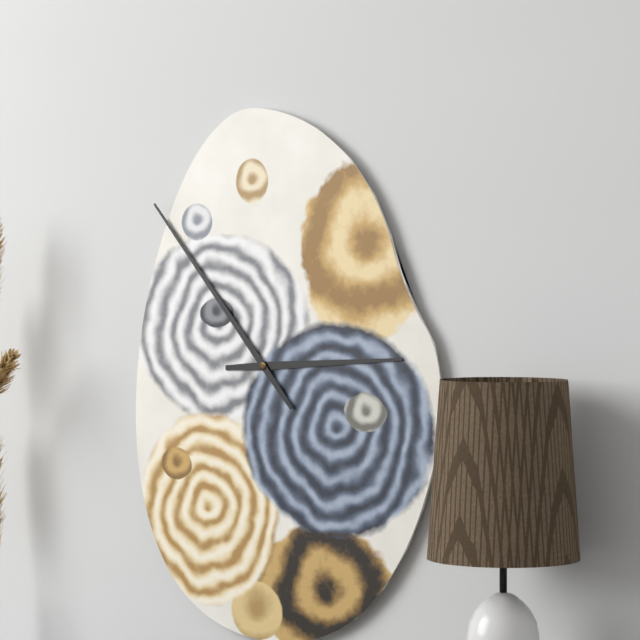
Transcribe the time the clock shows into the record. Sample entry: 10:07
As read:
2:53
